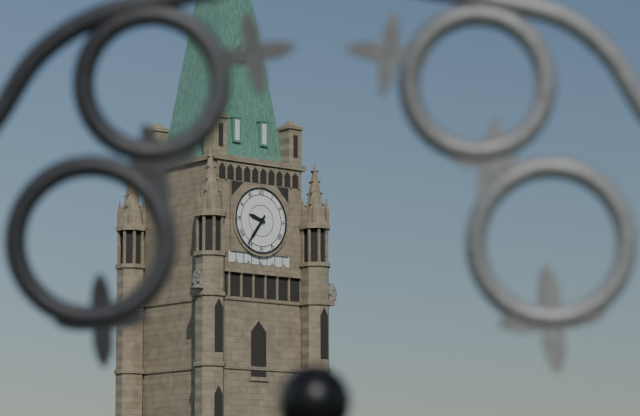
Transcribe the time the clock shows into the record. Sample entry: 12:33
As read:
9:36
